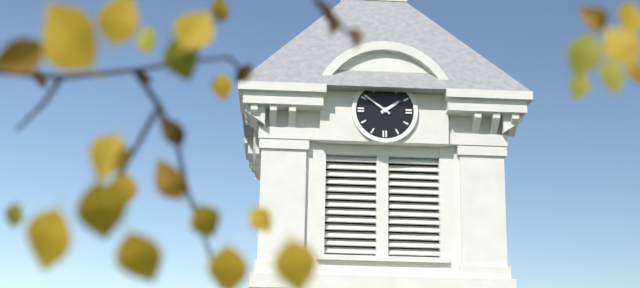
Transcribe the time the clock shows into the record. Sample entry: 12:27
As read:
1:51
